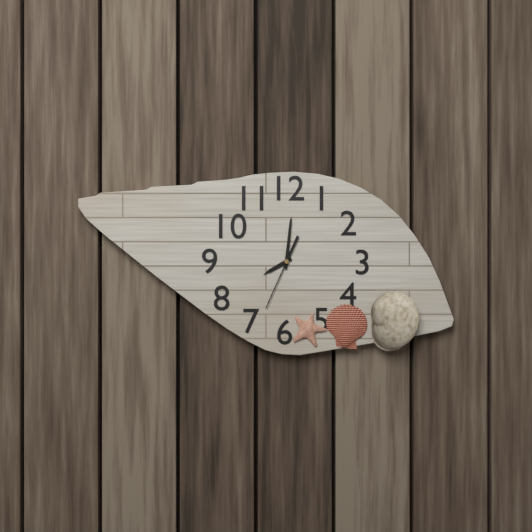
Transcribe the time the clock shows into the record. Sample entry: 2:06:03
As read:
8:01:34
